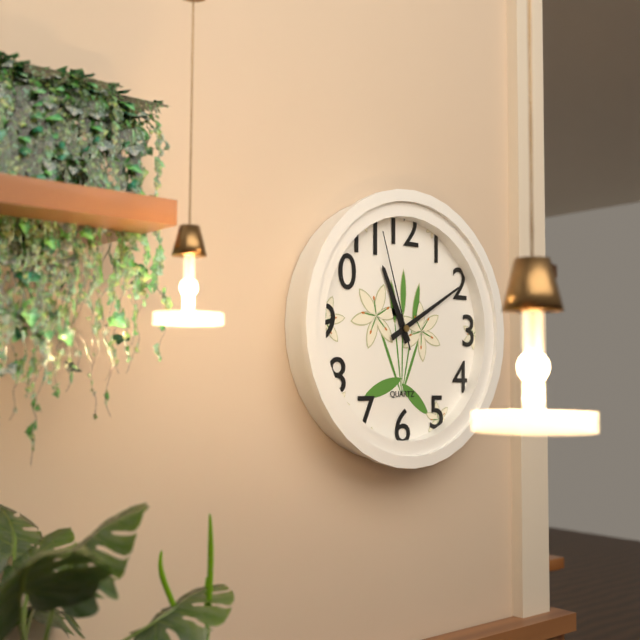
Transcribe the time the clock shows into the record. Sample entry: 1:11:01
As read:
11:10:57
